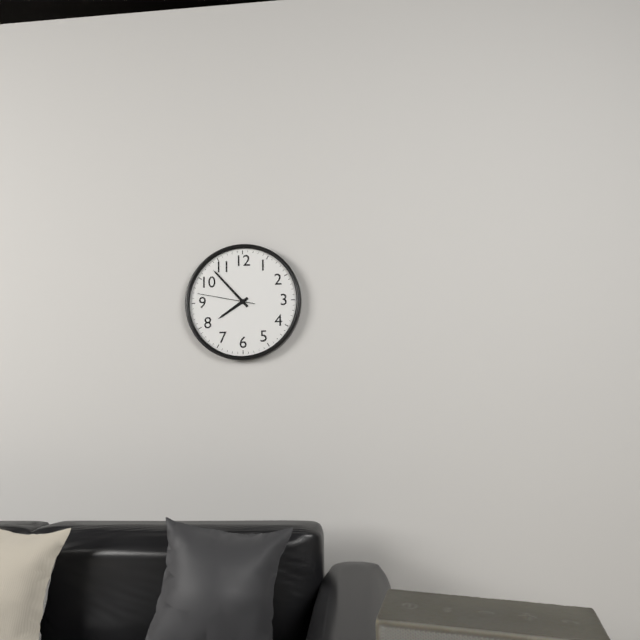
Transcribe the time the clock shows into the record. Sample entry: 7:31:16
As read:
7:53:47
